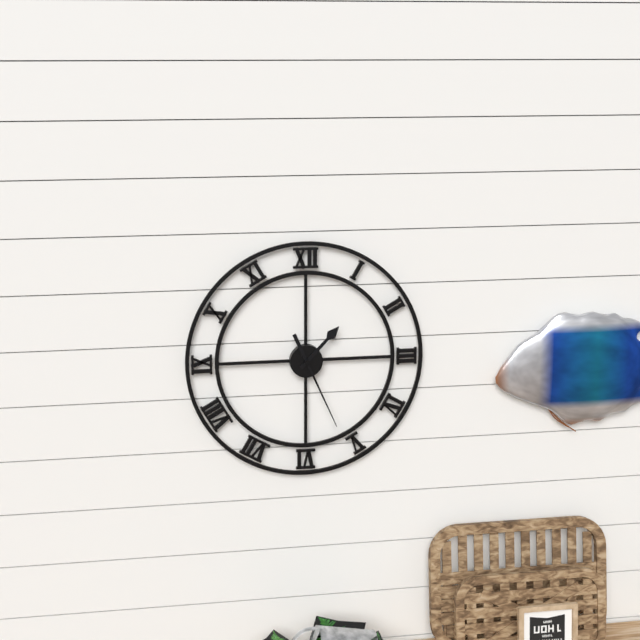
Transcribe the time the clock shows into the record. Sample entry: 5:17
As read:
1:26
